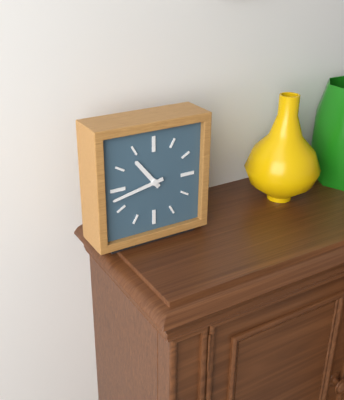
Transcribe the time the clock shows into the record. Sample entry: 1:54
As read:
10:43
